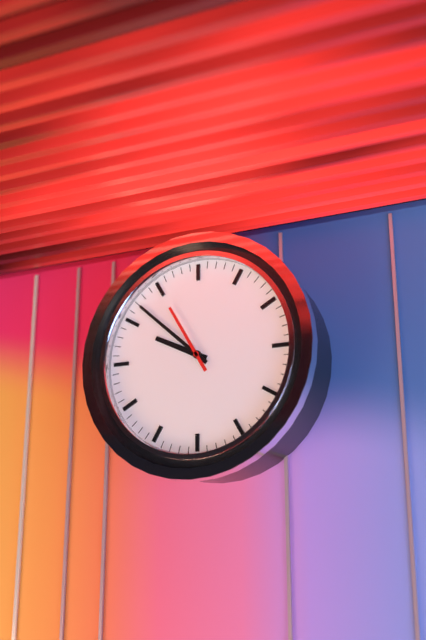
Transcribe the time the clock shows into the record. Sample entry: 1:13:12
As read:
9:52:55
